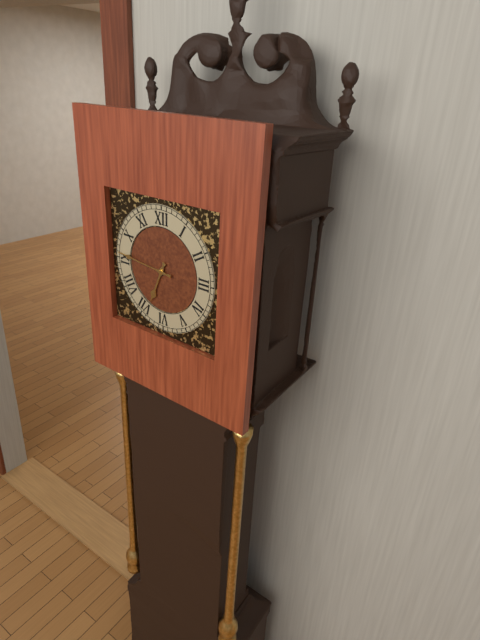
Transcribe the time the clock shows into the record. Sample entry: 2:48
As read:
6:46
